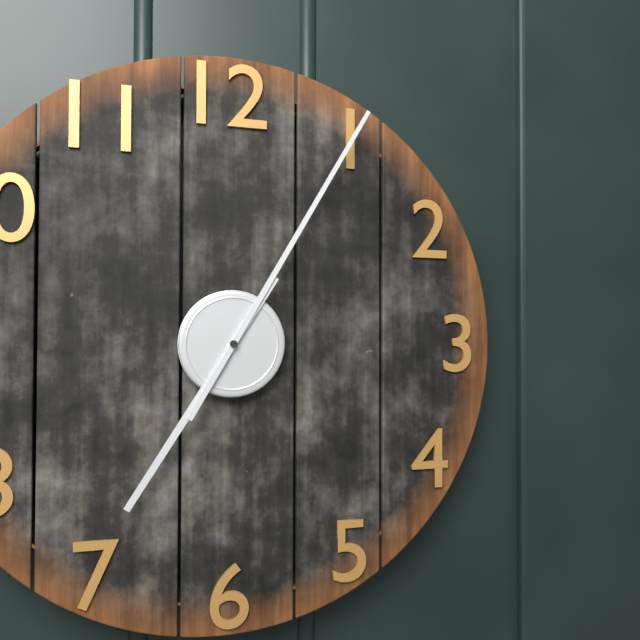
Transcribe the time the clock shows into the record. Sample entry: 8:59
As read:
7:05
